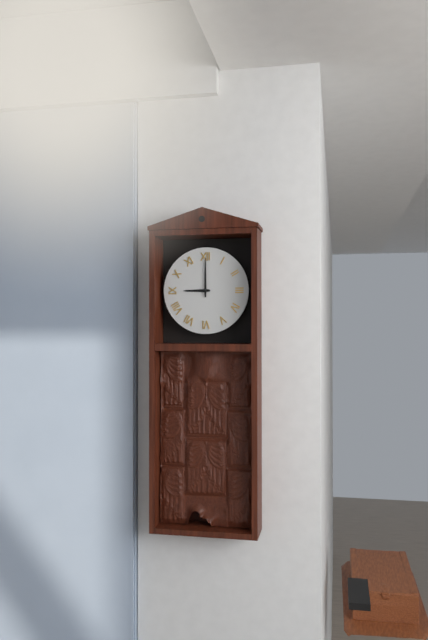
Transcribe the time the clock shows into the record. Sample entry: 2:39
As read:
9:00
